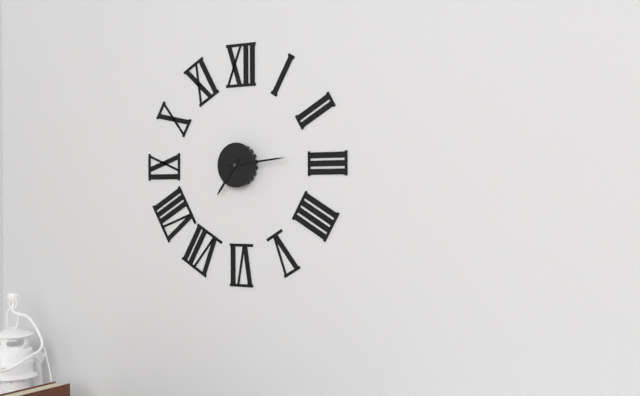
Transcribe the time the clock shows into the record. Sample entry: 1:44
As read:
7:14
